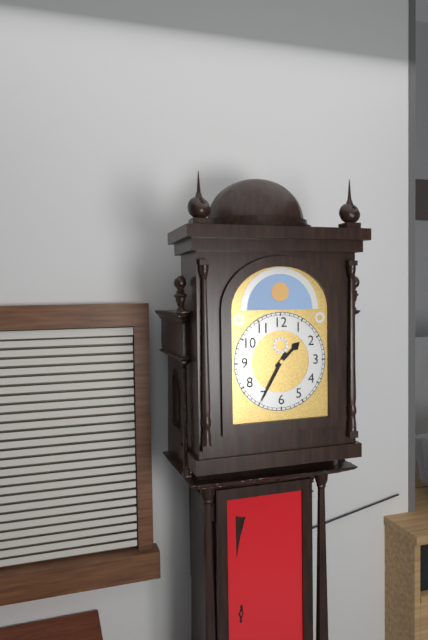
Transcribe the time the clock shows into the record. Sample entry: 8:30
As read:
1:35
